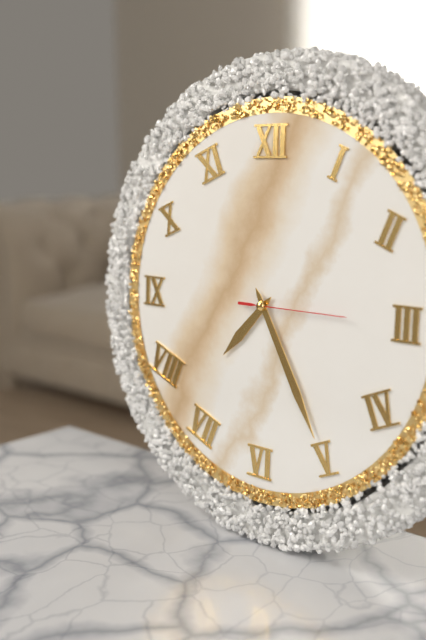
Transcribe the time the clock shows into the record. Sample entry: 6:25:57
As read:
7:25:15
